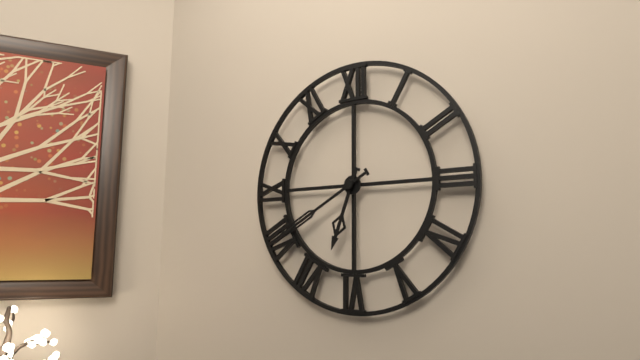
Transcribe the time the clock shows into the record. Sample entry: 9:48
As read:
6:40
